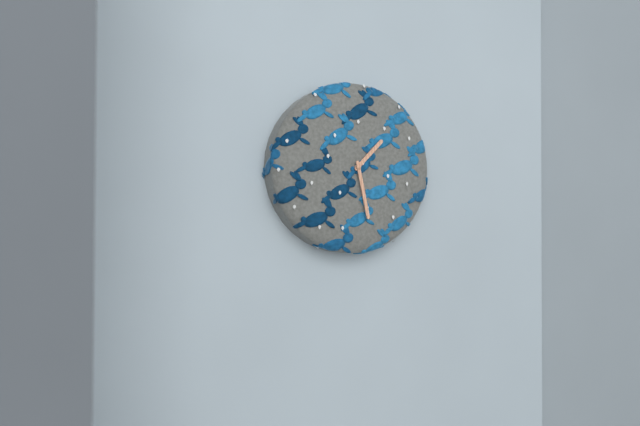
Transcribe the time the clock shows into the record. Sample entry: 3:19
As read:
1:28
